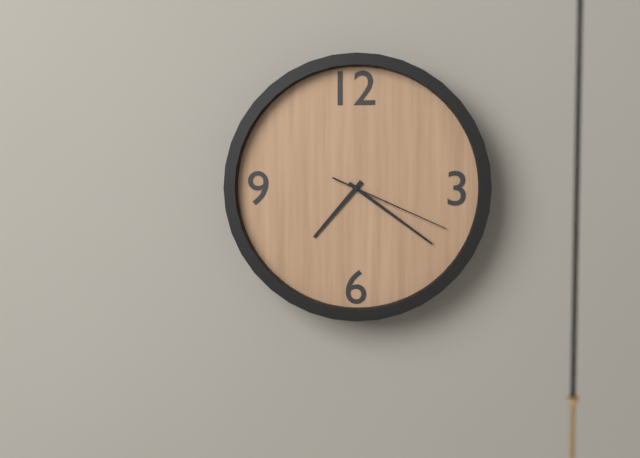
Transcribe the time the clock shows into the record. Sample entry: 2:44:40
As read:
7:21:19
